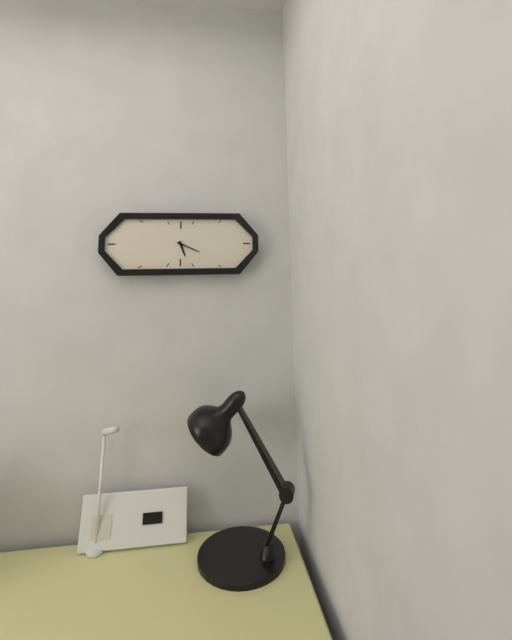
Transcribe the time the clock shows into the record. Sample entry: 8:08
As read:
5:19
